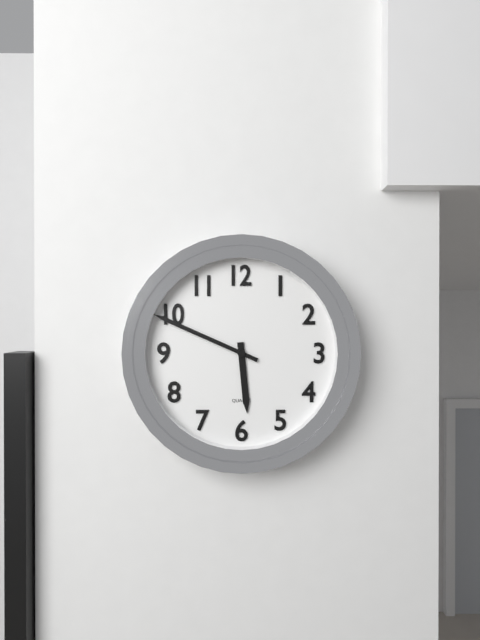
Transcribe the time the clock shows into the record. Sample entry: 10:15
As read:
5:49
